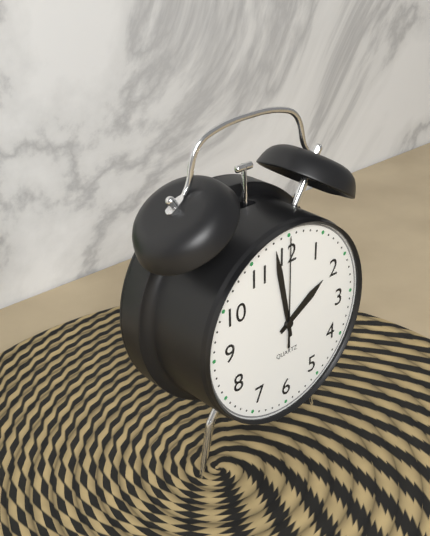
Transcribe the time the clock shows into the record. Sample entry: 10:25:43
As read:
1:58:00
